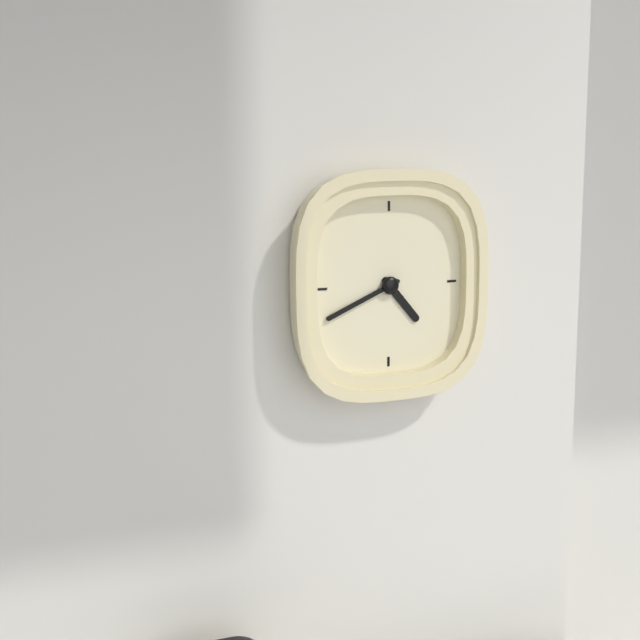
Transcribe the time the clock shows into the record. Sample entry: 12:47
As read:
4:41
